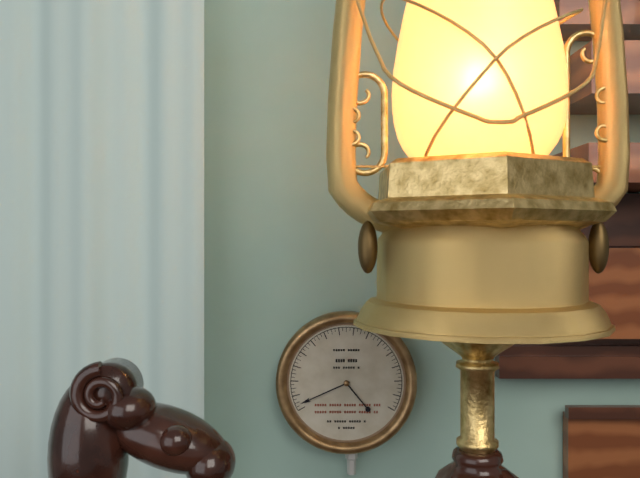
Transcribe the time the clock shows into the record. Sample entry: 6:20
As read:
4:41
